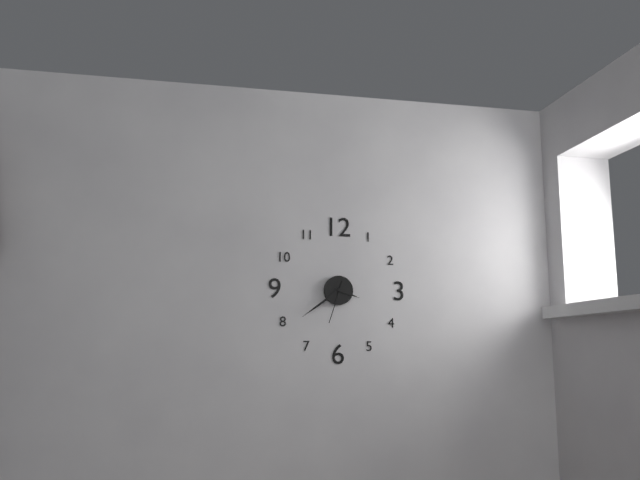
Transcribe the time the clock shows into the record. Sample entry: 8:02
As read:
3:39
